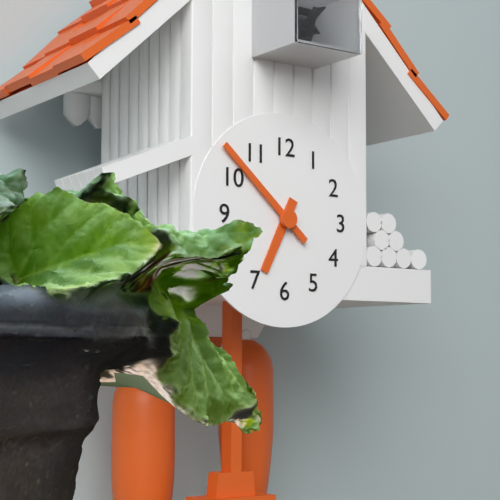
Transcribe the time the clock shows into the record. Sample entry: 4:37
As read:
6:52
